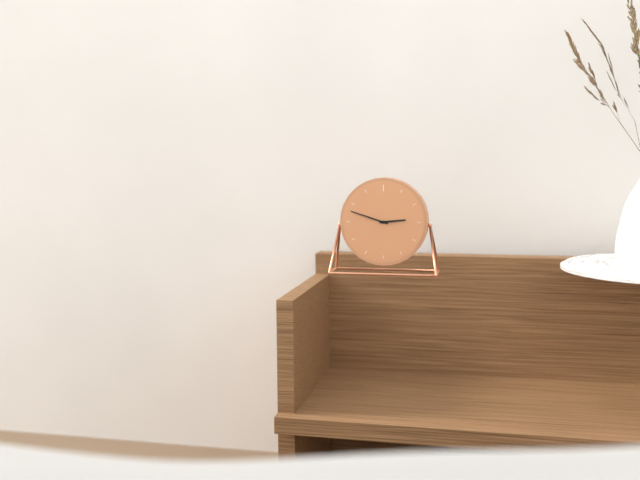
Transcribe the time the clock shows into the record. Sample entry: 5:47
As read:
2:48
